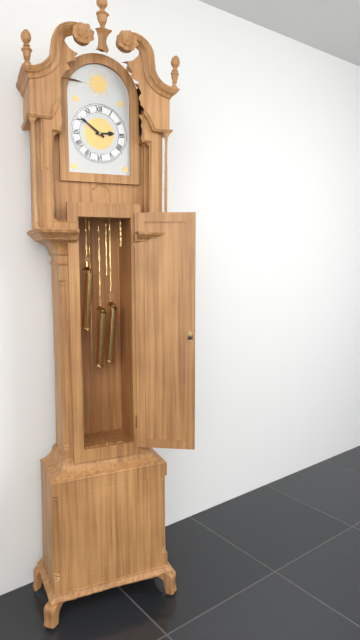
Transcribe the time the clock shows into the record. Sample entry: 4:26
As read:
2:51
